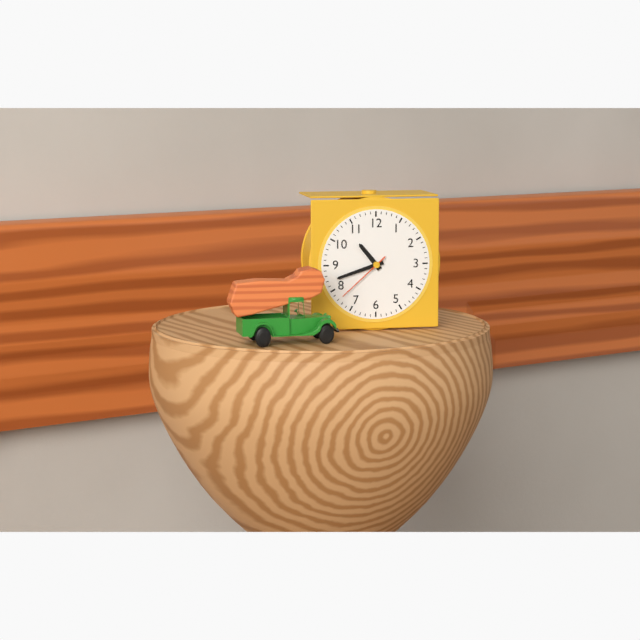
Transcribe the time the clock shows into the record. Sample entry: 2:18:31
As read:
10:42:38
